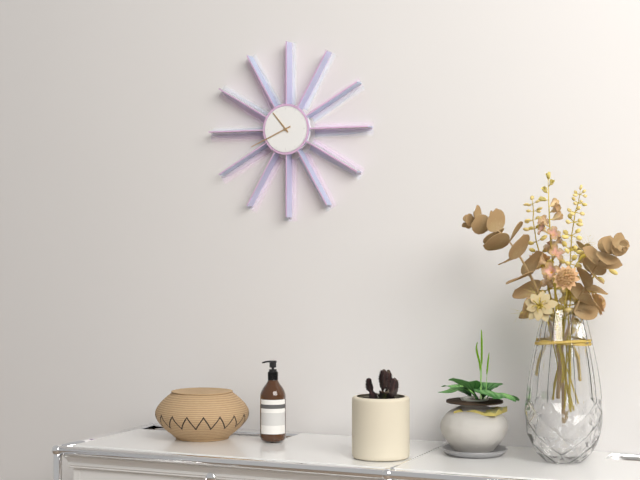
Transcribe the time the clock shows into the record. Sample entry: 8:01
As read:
10:41
